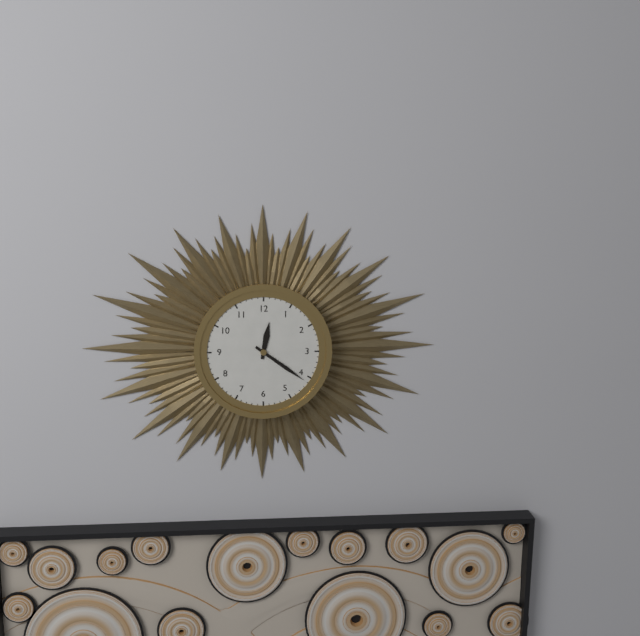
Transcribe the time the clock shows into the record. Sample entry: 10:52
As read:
12:21
